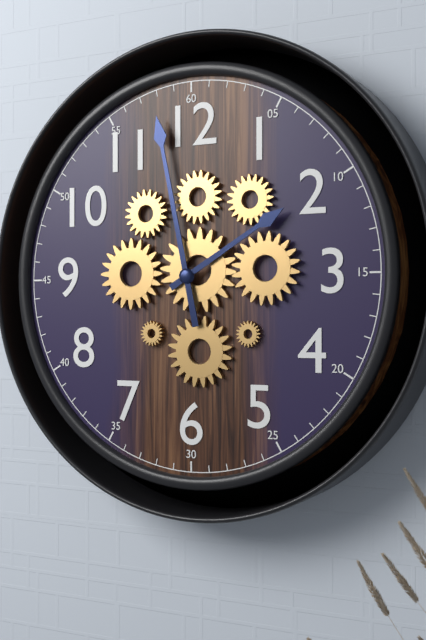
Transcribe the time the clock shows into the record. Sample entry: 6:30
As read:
1:58
